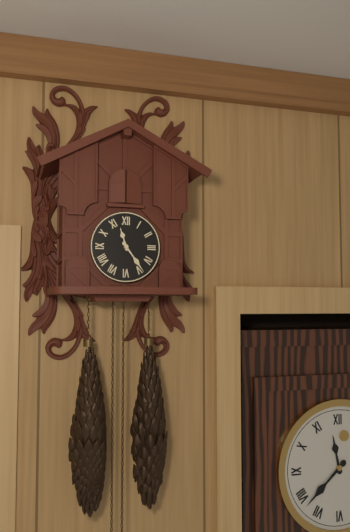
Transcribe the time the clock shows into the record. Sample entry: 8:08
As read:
11:24
